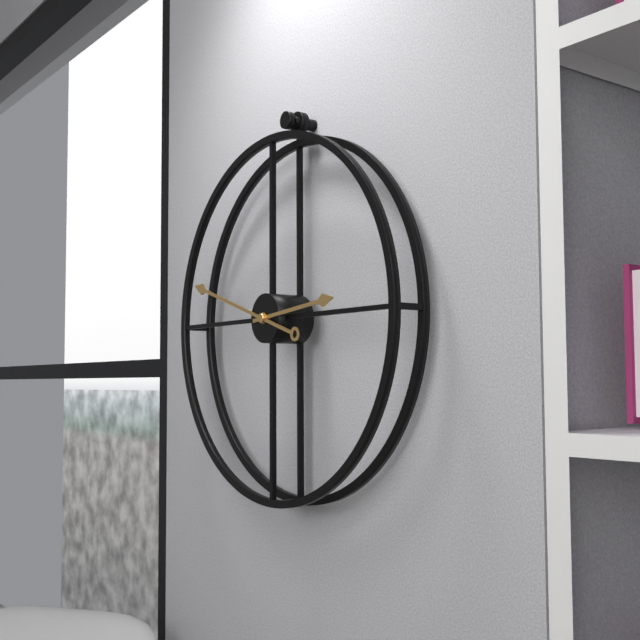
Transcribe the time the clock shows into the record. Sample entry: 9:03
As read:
2:48
